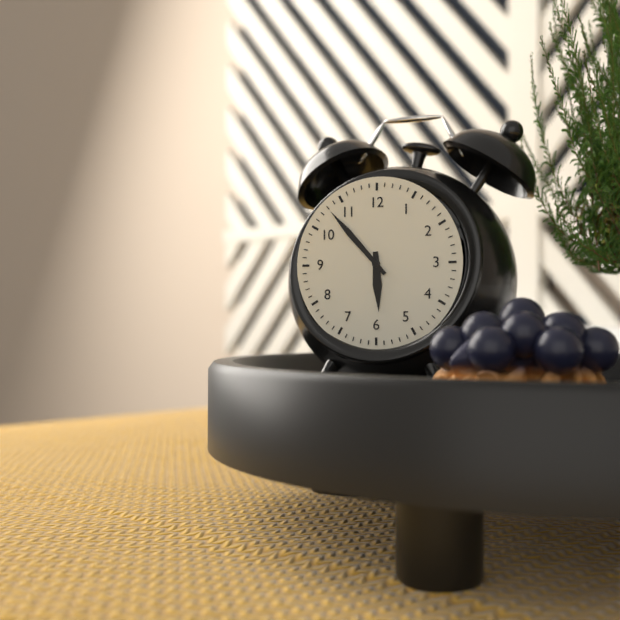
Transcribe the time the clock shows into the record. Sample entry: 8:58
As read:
5:53
